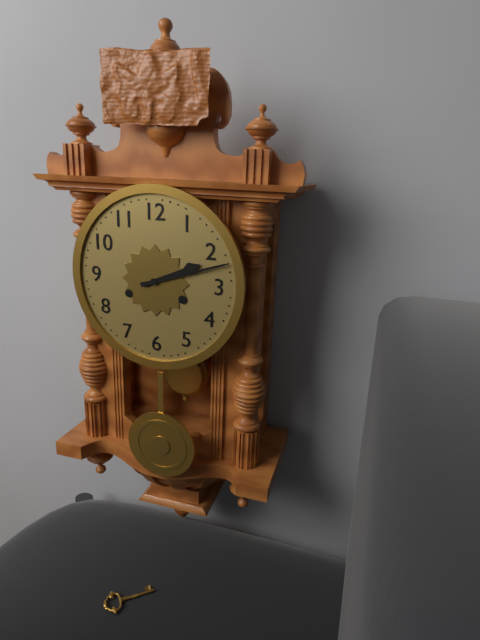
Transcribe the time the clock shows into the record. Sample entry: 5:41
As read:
2:12
